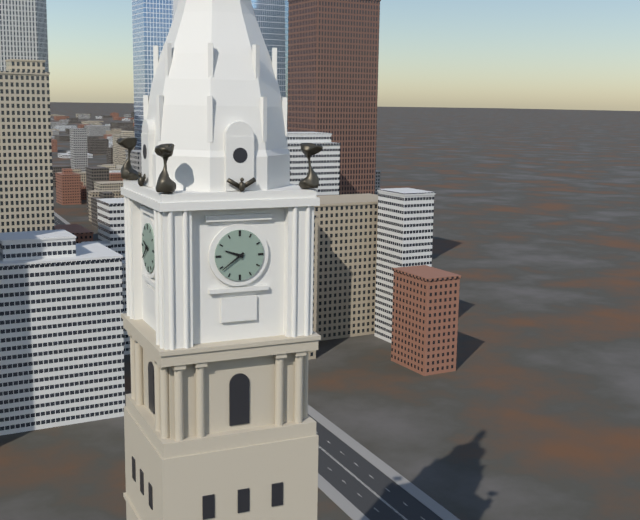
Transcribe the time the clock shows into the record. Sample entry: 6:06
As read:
9:39
